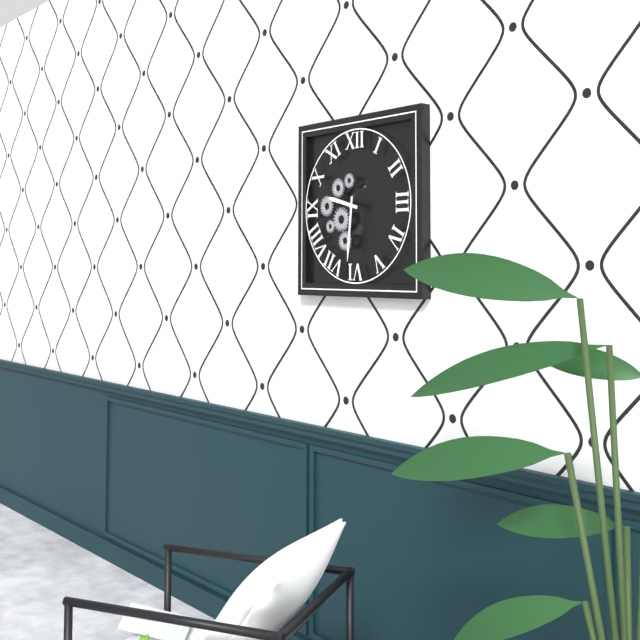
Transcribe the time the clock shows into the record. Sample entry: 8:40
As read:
9:31
